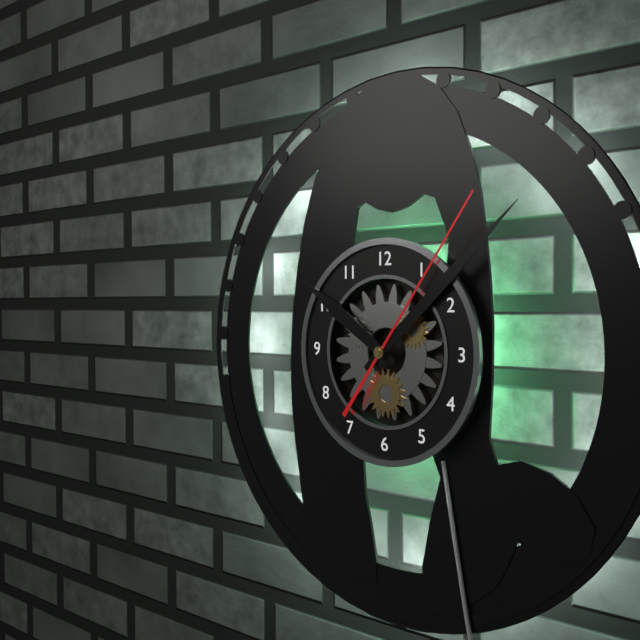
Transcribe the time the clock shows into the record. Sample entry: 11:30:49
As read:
10:08:06
